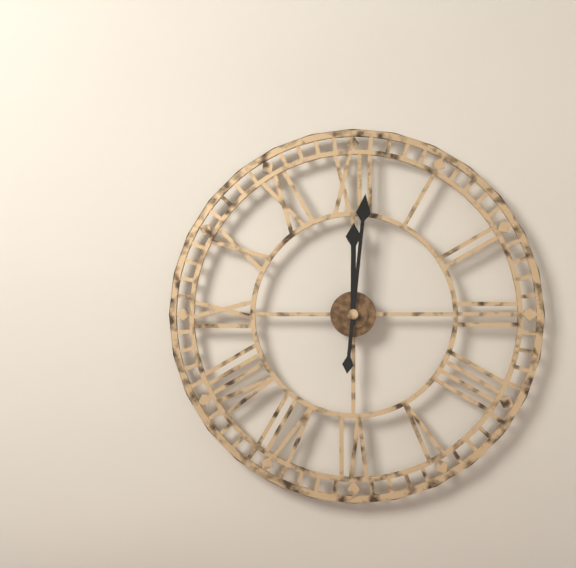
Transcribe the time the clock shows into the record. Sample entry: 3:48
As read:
12:01
